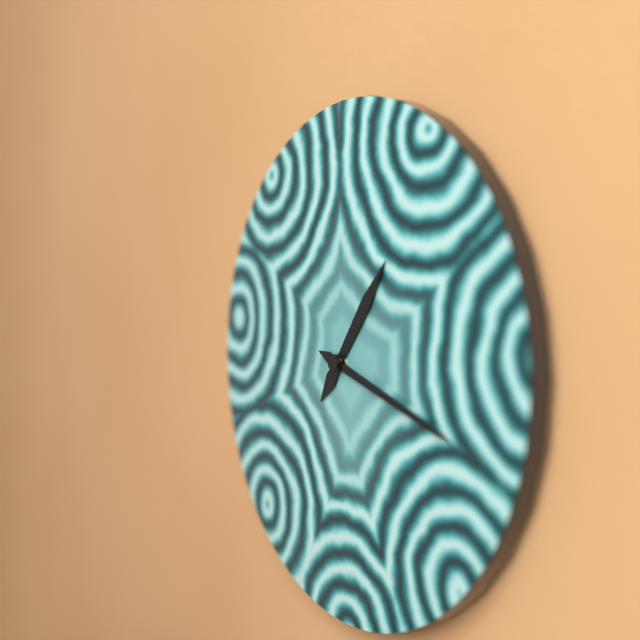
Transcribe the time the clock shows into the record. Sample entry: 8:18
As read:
1:18
